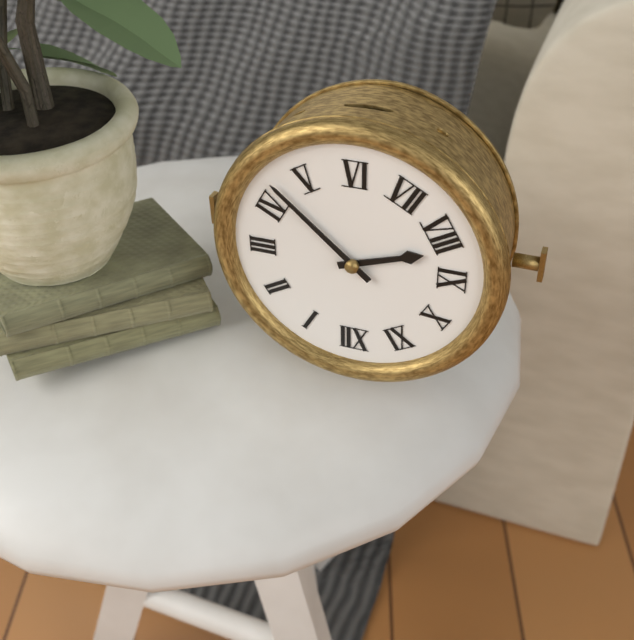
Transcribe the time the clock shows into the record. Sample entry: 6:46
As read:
8:22
